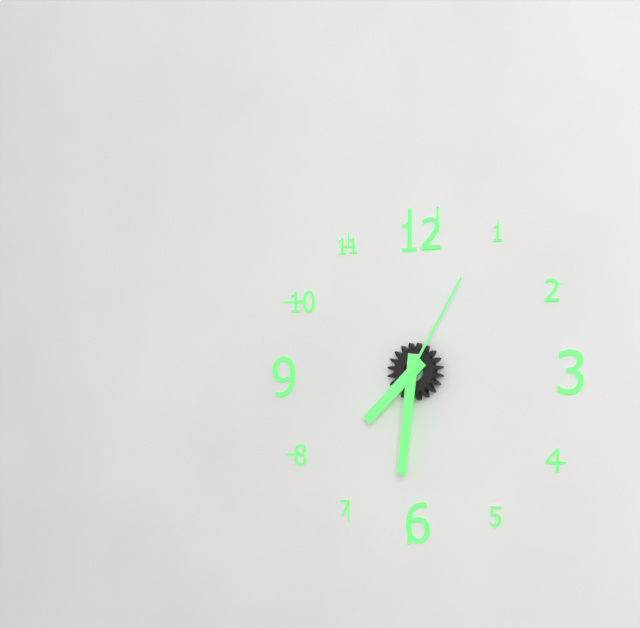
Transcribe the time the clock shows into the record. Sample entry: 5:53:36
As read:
7:31:05
